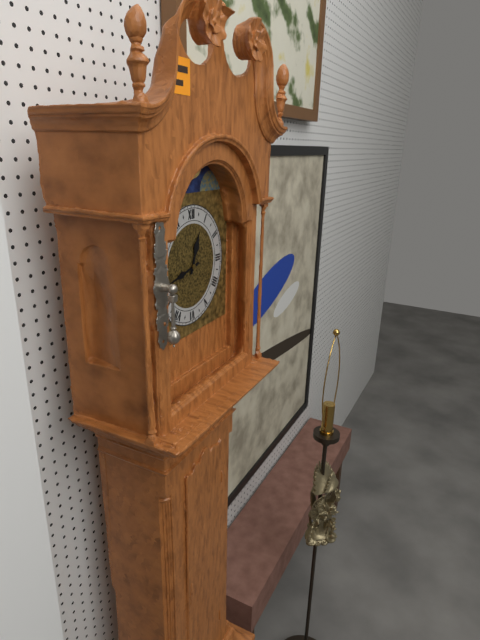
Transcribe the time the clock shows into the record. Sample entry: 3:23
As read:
12:43
